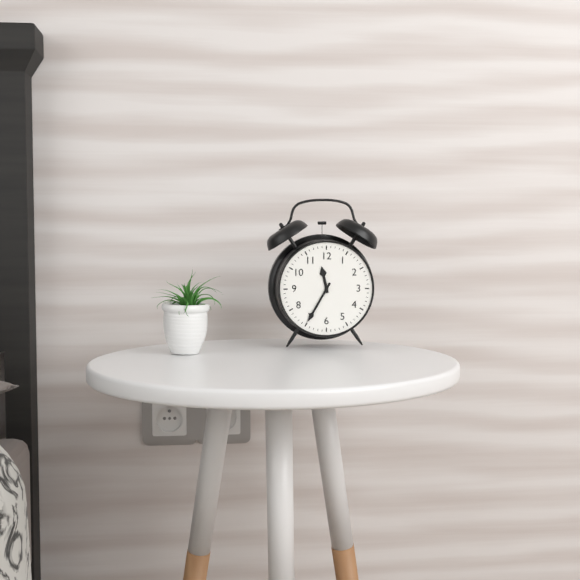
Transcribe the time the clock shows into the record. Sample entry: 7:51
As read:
11:35
